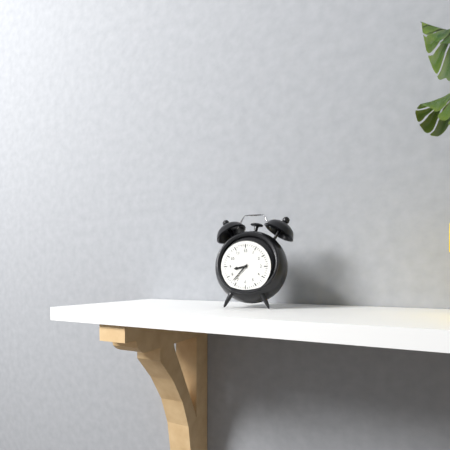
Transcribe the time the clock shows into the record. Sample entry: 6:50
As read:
8:37
